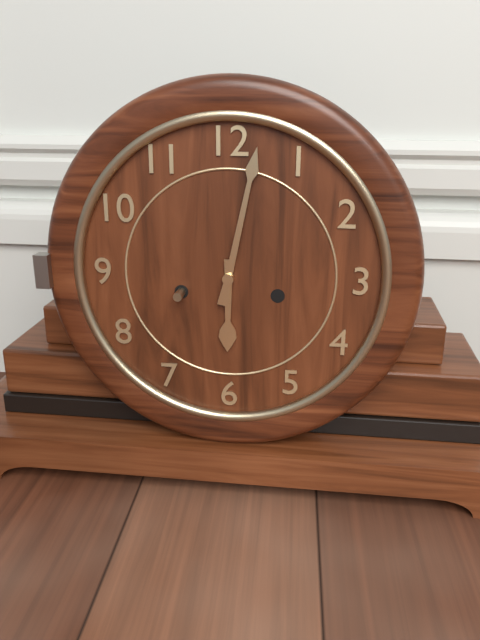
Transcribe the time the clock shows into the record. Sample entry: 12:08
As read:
6:02
